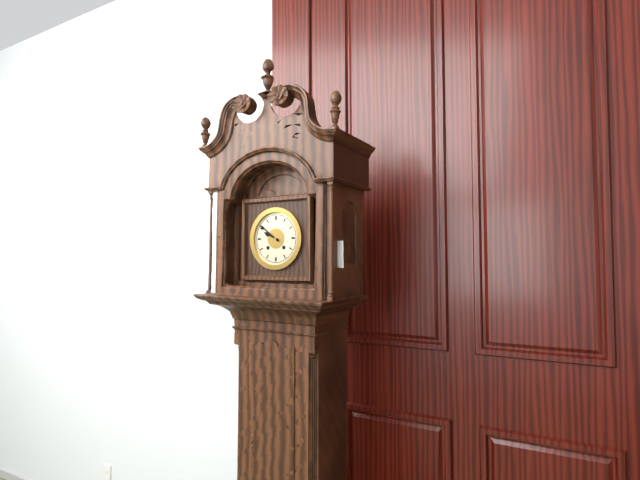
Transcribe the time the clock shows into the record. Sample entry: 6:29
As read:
9:51
